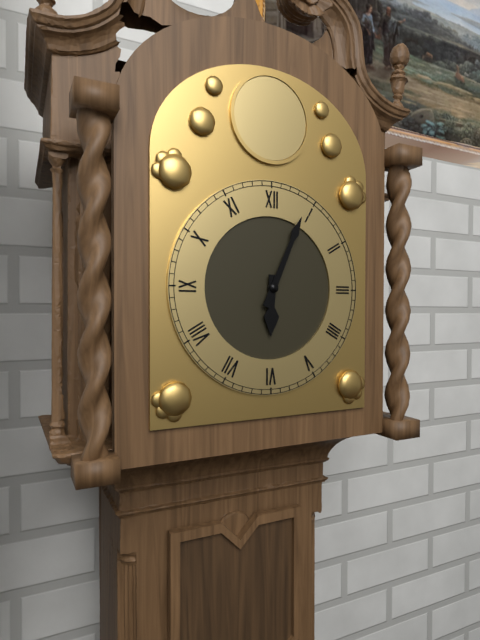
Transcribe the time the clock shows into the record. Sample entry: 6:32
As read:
6:04
